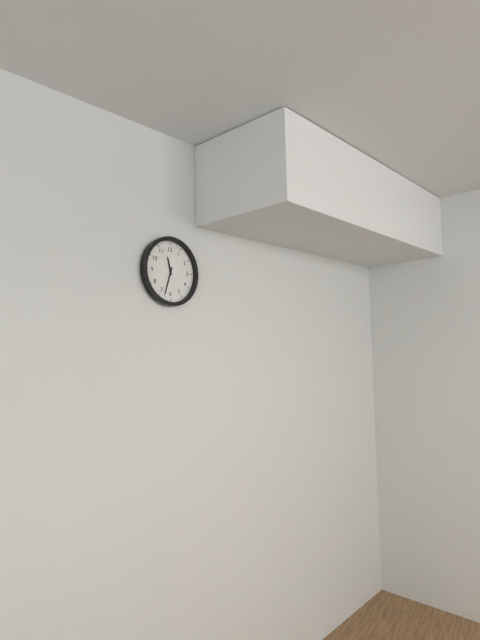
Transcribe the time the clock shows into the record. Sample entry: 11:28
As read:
11:33
